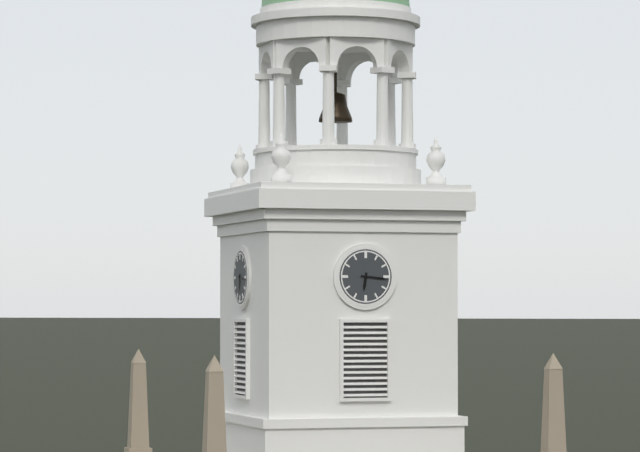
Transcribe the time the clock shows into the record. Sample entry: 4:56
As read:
6:16
